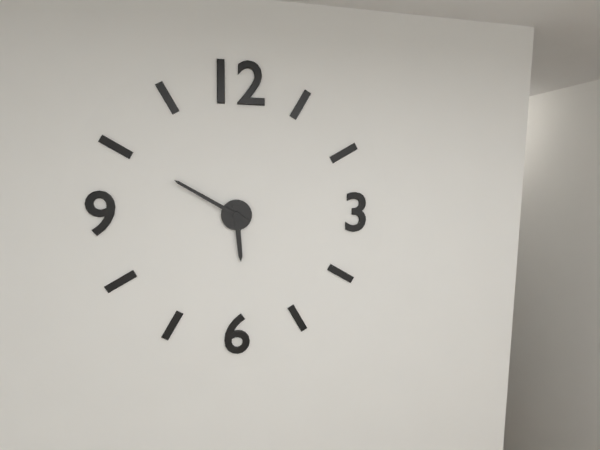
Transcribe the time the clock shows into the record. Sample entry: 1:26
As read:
5:50
